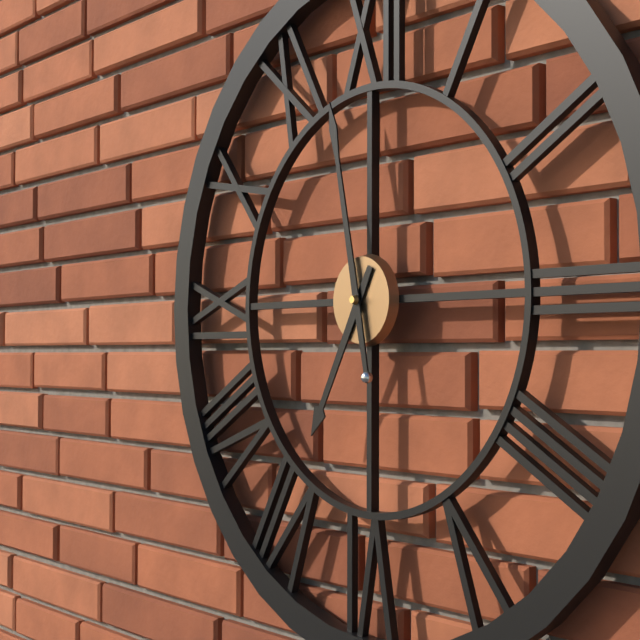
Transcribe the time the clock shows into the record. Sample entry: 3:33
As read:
6:58
